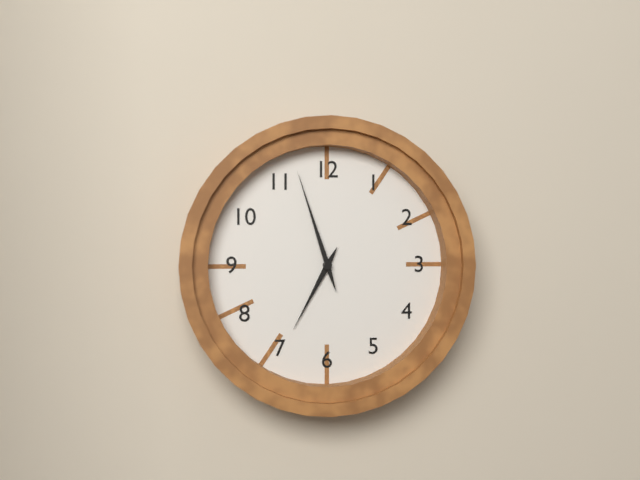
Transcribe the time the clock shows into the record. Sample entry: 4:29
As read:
6:57
